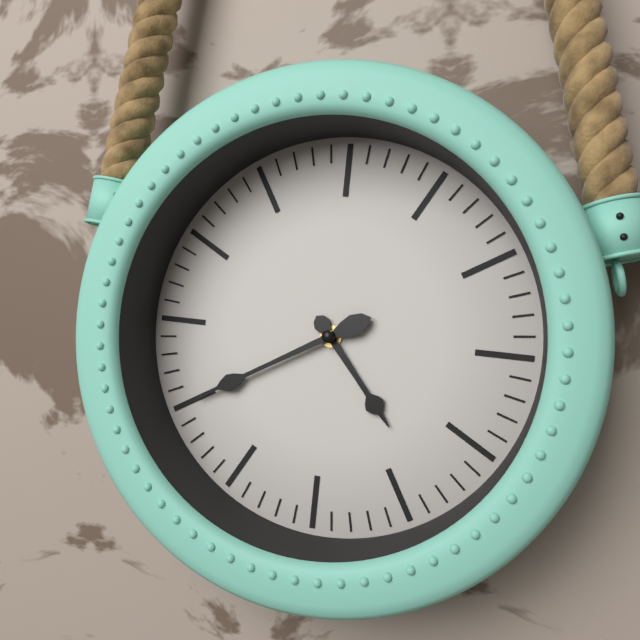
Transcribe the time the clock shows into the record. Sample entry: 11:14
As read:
4:40
